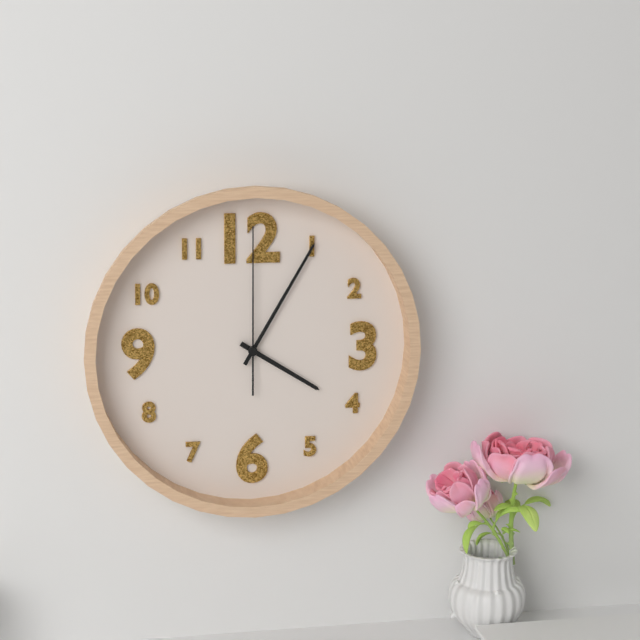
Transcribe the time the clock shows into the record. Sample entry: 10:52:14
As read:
4:05:00
